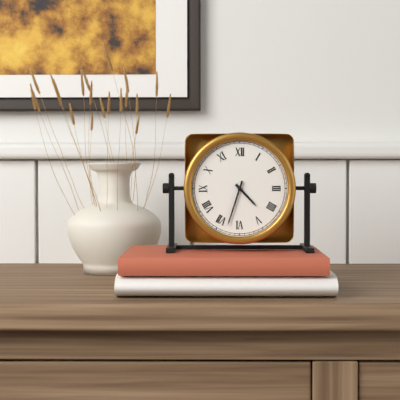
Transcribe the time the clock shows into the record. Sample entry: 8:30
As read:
4:33
